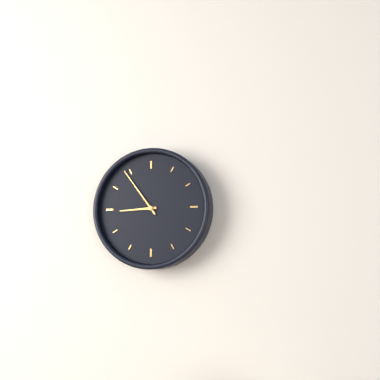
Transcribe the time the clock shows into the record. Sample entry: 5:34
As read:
8:54
